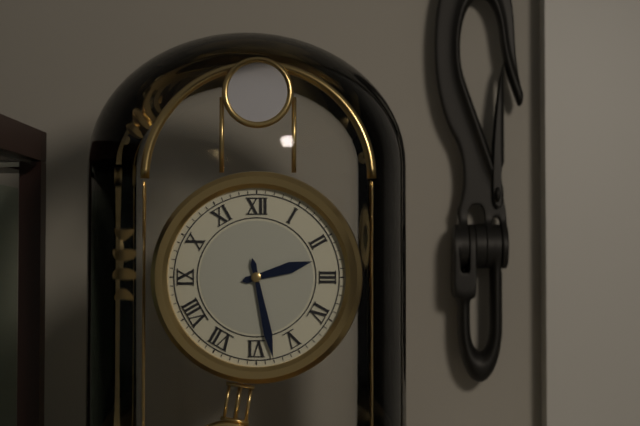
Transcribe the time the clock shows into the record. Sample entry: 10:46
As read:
2:28
